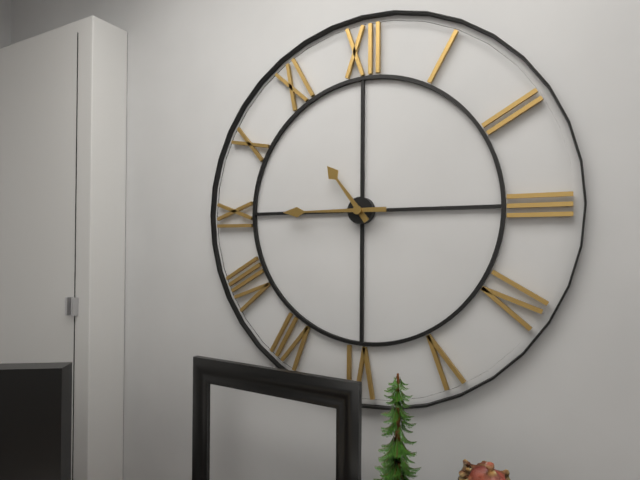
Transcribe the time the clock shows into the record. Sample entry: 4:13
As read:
10:45
